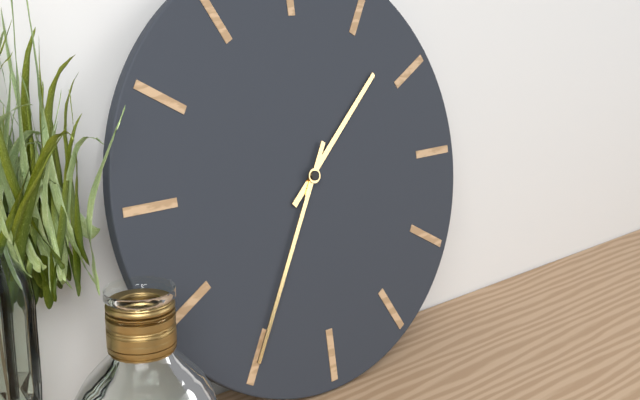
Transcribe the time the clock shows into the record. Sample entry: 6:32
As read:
1:35
